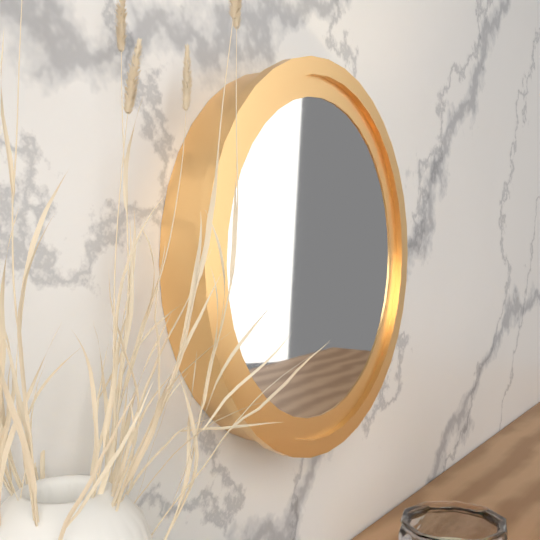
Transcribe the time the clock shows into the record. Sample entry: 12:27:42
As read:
8:05:11
